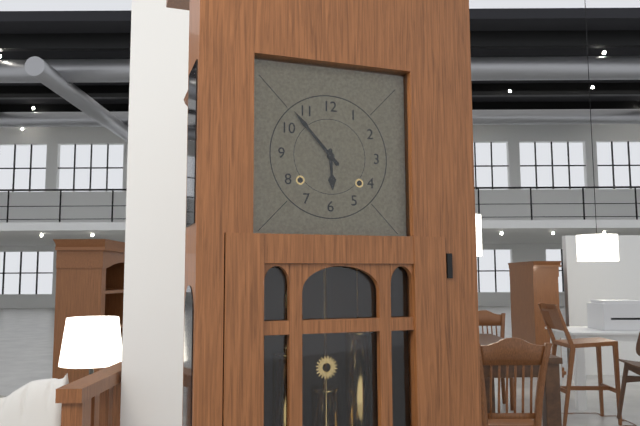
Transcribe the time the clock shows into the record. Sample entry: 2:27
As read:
5:53
